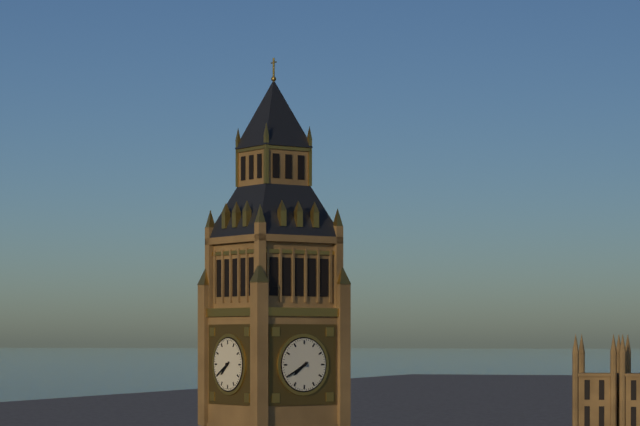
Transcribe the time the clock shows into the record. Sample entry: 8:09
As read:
7:40
